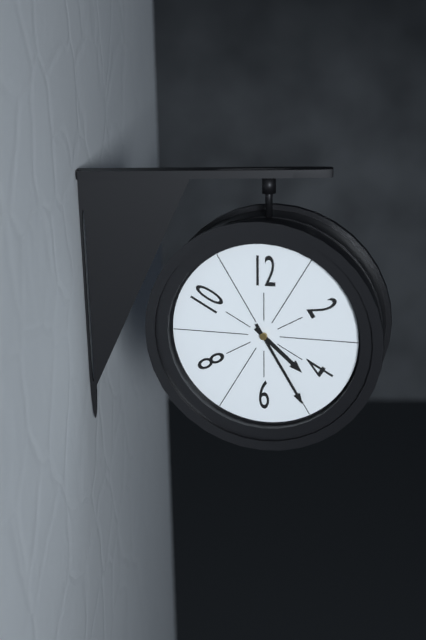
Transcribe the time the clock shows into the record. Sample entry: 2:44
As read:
4:25
